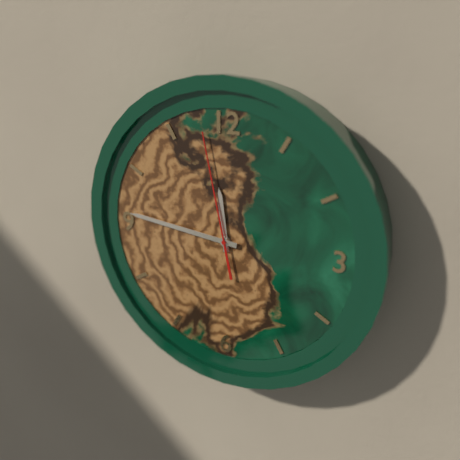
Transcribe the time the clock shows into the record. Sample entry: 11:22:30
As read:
11:46:58
